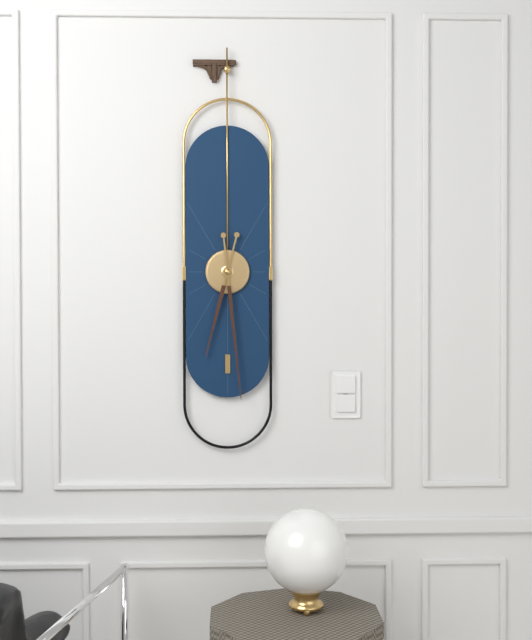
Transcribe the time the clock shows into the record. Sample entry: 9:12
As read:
6:29
